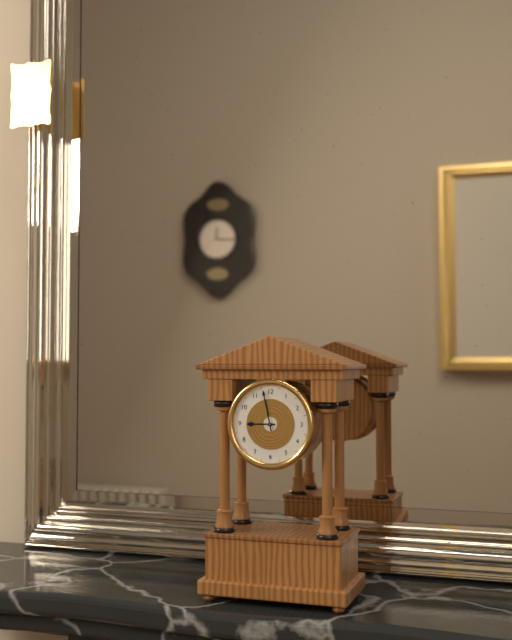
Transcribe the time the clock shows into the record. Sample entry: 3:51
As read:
8:58
